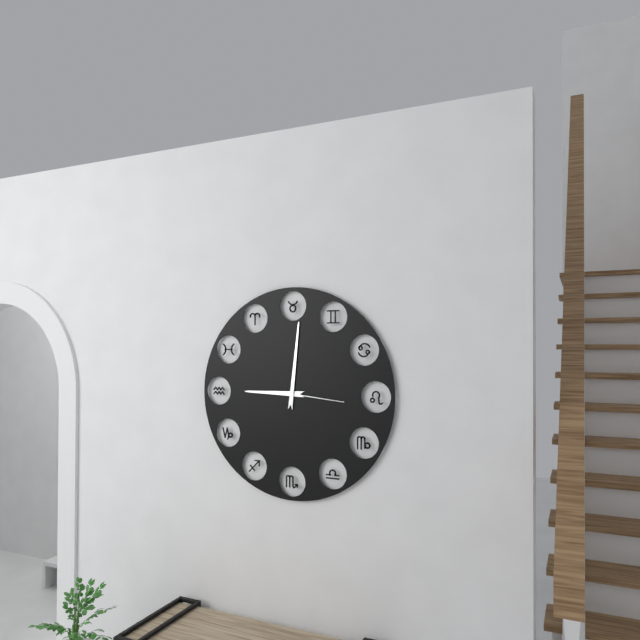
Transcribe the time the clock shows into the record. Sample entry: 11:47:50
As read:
9:01:16
